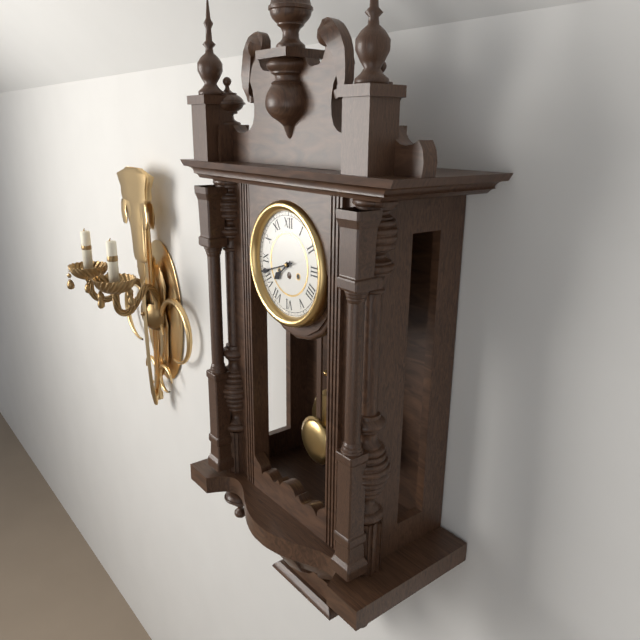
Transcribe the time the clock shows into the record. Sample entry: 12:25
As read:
7:42
